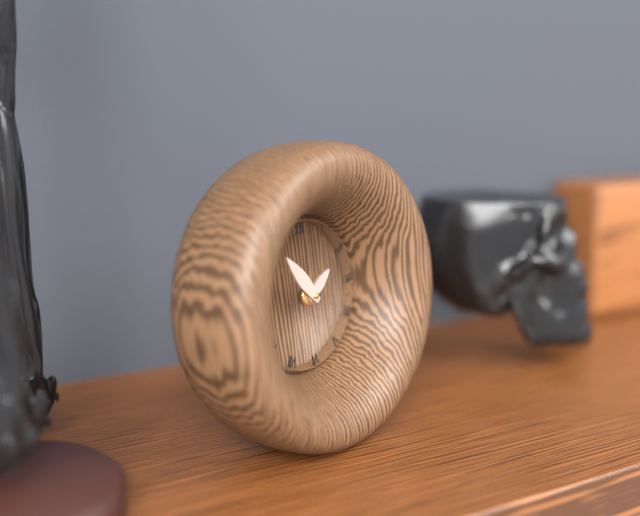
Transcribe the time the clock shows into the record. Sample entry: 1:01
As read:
1:54
